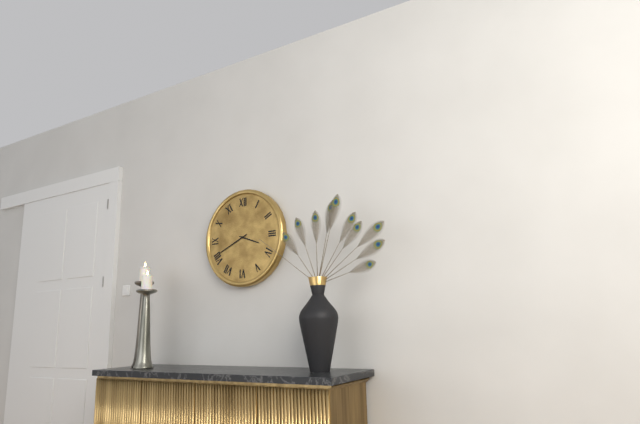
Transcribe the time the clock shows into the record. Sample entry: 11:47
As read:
3:41
